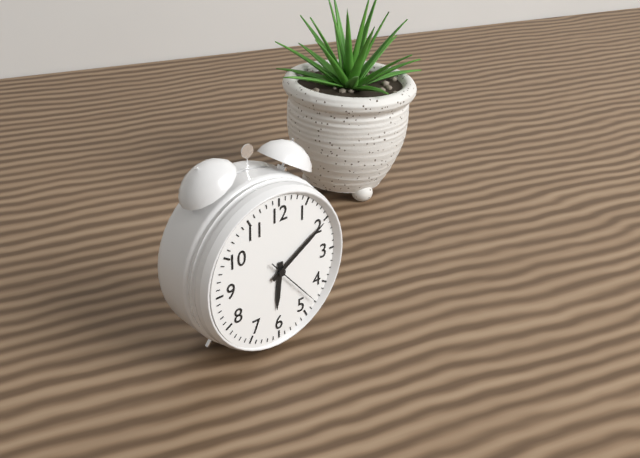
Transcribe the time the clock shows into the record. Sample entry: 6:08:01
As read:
6:10:23
